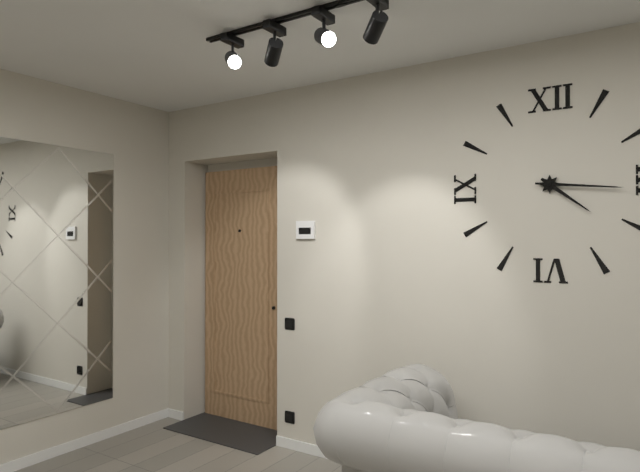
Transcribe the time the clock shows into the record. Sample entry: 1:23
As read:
4:16
